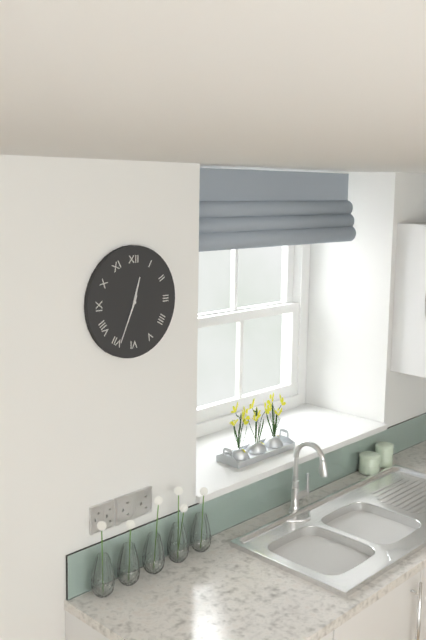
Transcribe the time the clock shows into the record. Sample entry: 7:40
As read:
12:34
